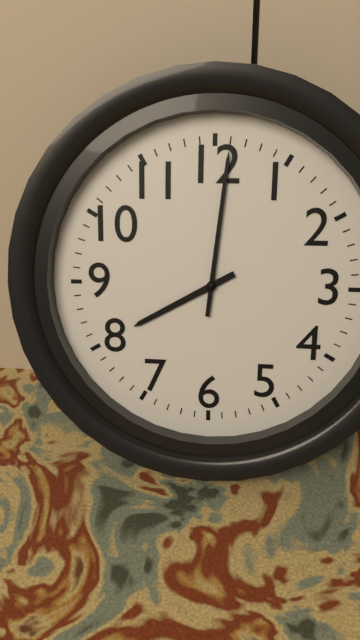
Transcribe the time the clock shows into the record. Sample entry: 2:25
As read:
8:01
